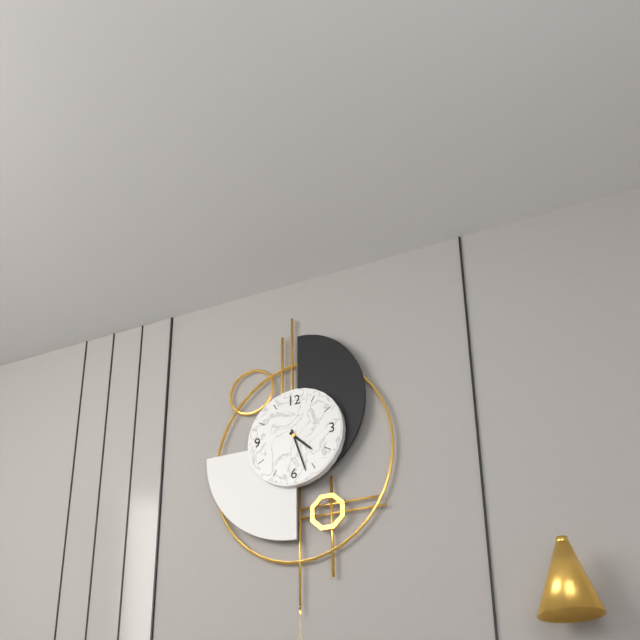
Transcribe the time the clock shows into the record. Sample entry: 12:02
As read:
4:27
